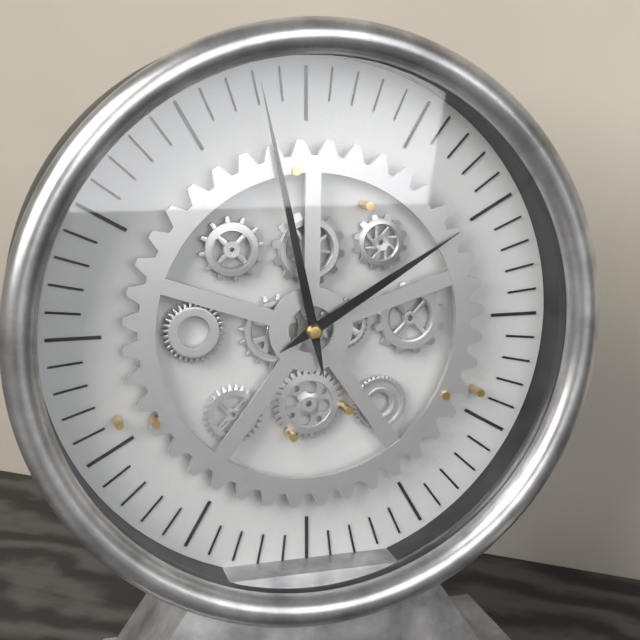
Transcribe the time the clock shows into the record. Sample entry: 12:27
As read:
1:58
